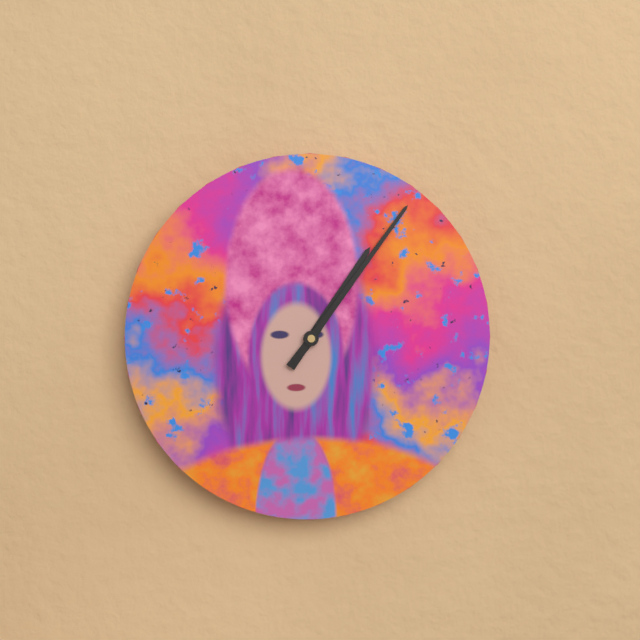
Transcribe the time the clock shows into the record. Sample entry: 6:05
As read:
1:06
